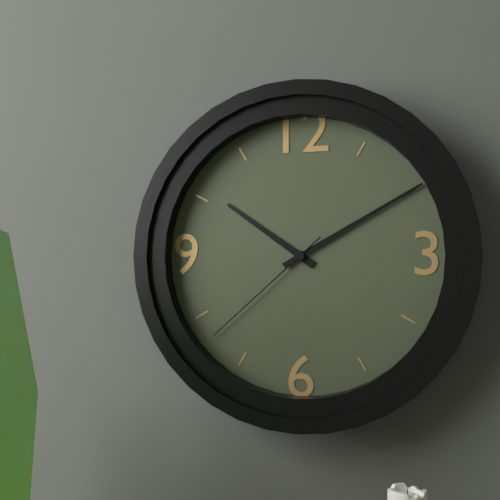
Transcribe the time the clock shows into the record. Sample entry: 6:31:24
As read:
10:10:38
